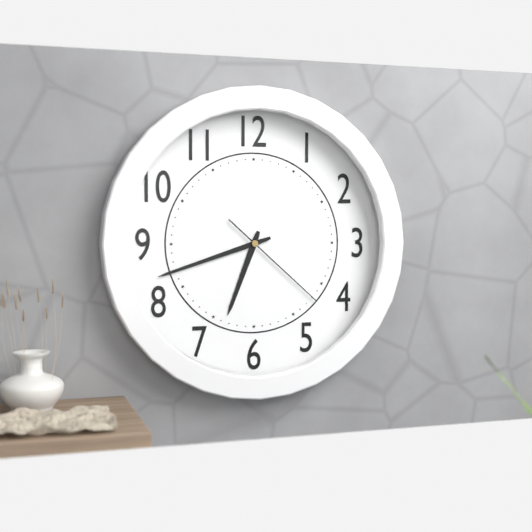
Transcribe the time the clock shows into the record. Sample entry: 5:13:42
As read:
6:42:22
